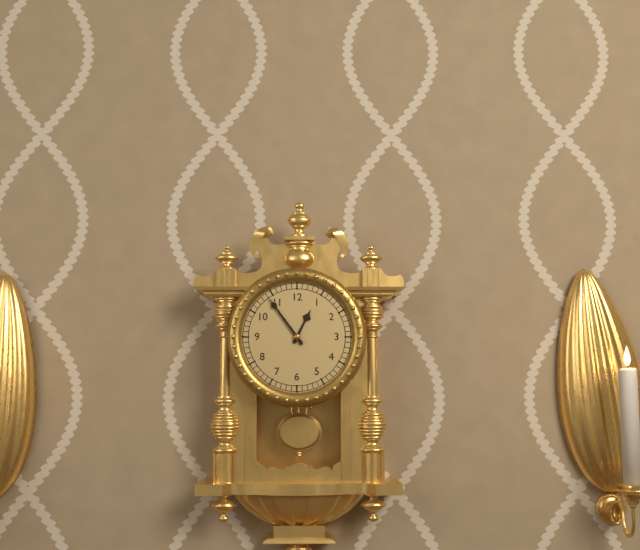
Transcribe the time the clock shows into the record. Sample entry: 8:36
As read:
12:54
